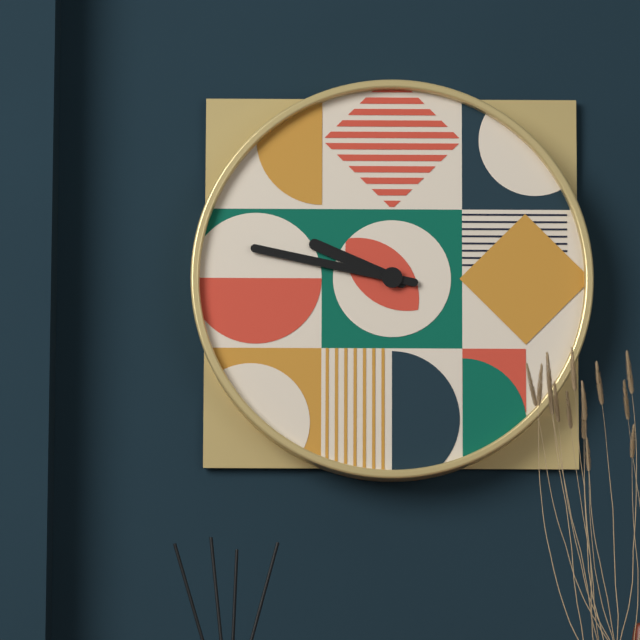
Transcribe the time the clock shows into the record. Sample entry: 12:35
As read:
9:47
